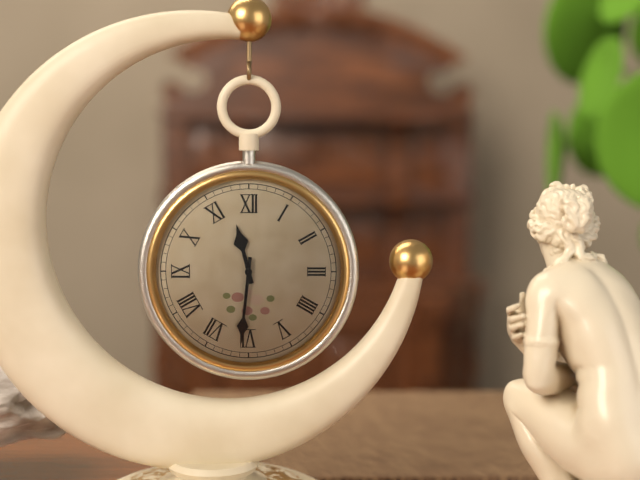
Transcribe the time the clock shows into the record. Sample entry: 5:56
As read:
11:31
